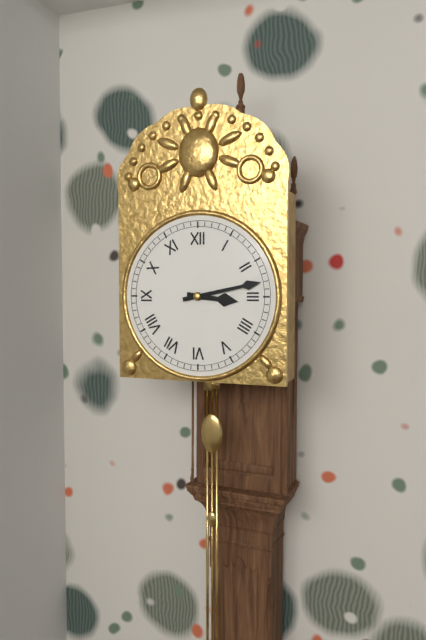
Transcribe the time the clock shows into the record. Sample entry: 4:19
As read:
3:13
